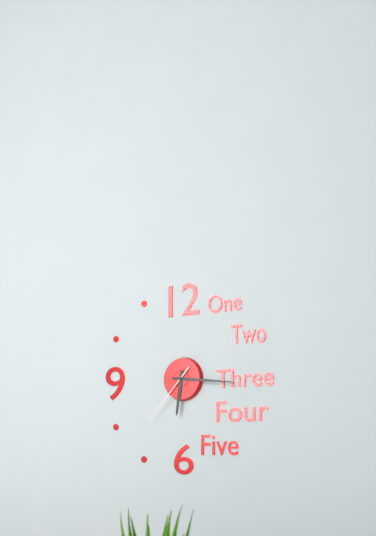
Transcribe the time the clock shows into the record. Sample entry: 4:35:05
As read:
6:16:37
